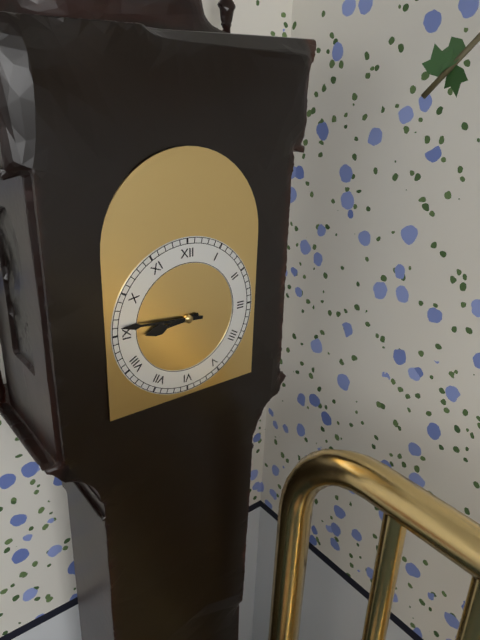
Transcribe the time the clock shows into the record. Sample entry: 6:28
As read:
8:46
